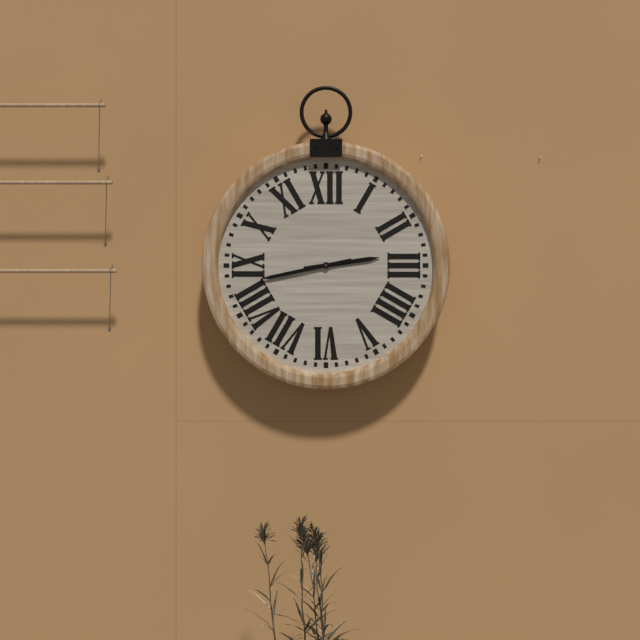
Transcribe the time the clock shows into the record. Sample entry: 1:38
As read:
2:43
